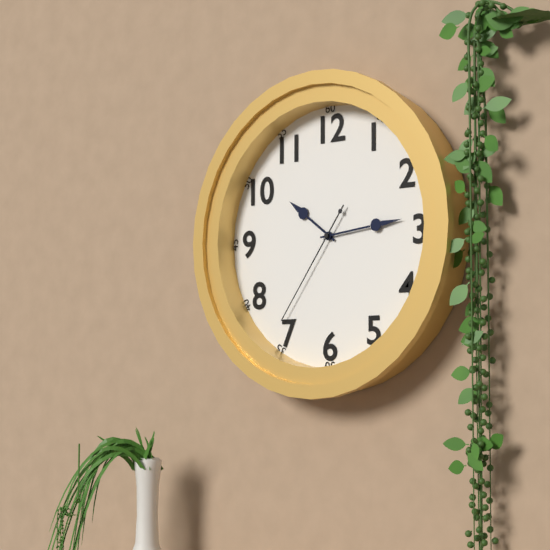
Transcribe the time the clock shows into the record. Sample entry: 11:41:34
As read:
10:14:36
